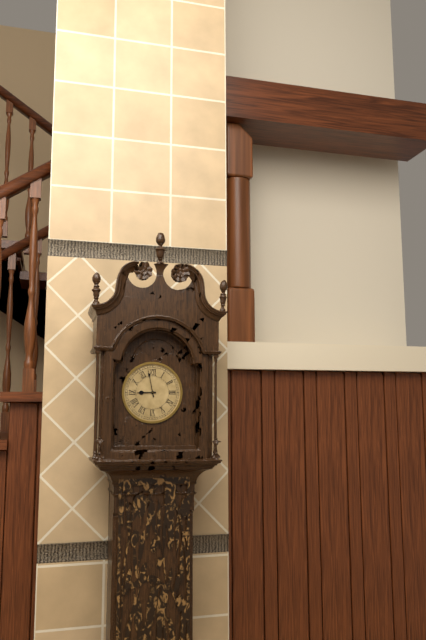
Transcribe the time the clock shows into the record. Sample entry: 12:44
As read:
8:58
